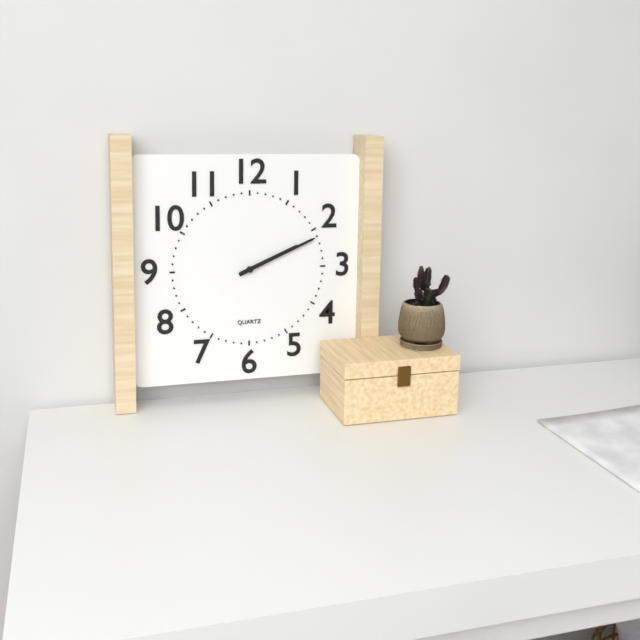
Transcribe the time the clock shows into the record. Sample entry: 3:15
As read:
2:11
